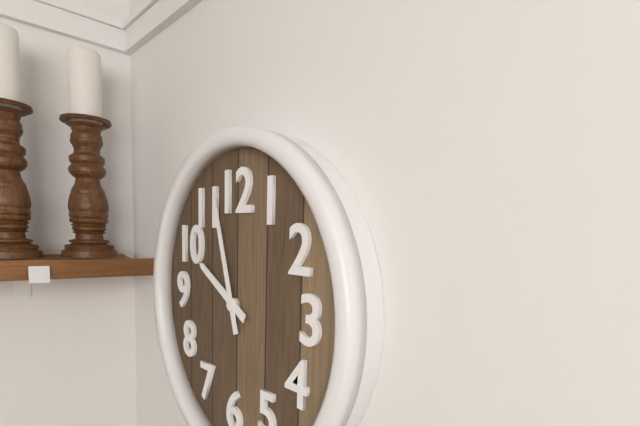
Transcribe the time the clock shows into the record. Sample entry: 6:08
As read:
9:57
